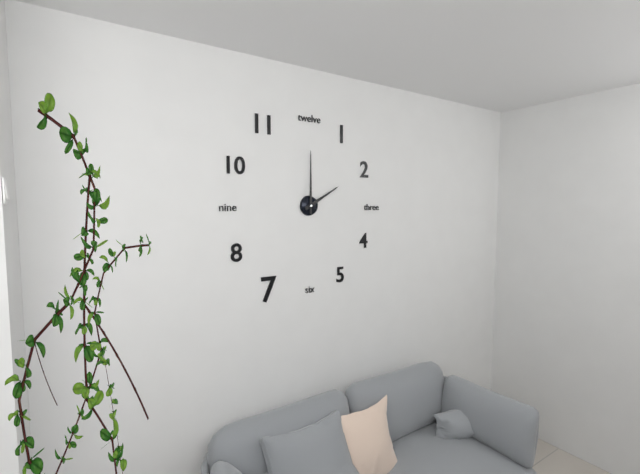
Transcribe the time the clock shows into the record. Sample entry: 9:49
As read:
2:00
